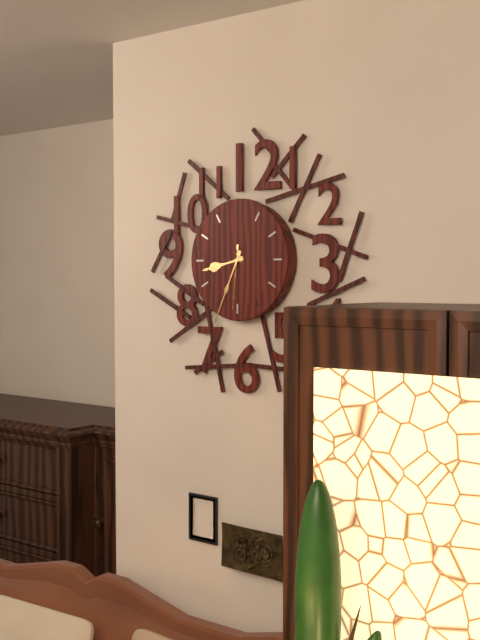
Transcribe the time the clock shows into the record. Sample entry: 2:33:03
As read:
8:34:31
